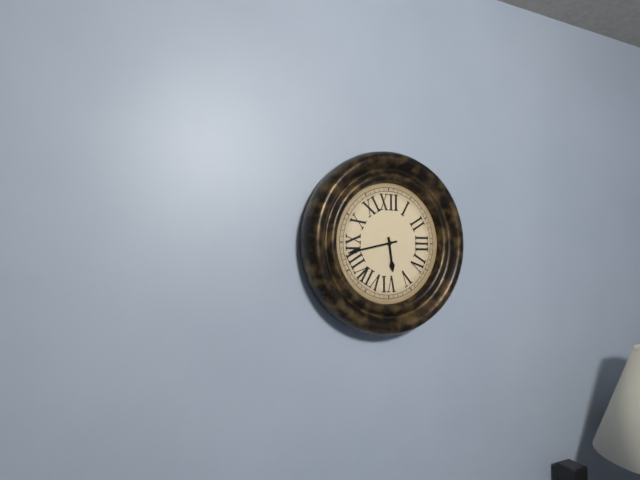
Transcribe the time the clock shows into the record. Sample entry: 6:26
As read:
5:43
